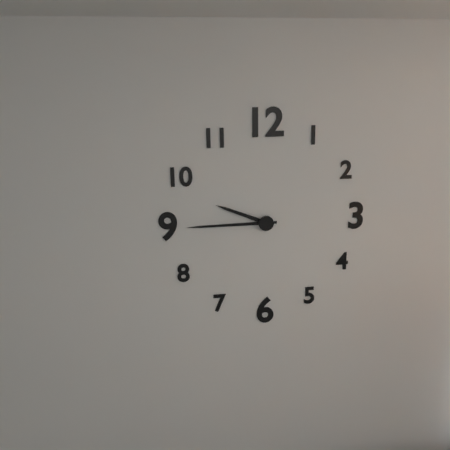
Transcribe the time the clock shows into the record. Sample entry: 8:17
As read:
9:45
